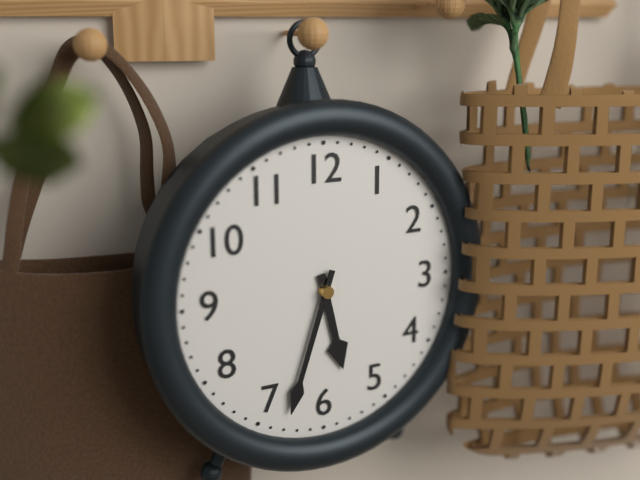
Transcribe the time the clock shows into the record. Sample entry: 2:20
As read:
5:33
